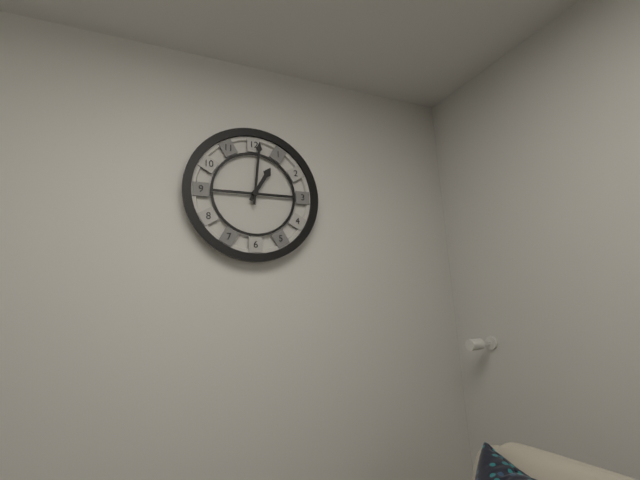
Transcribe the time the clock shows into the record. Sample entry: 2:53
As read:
1:01
